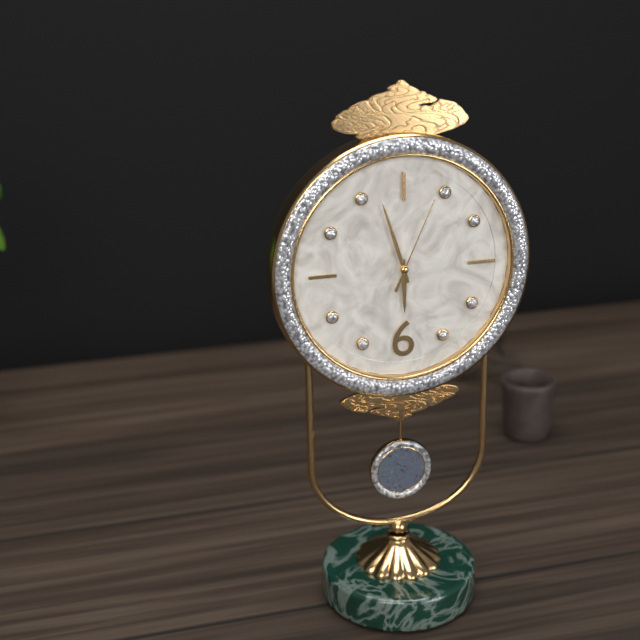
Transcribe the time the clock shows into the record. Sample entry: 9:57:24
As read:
5:57:04
